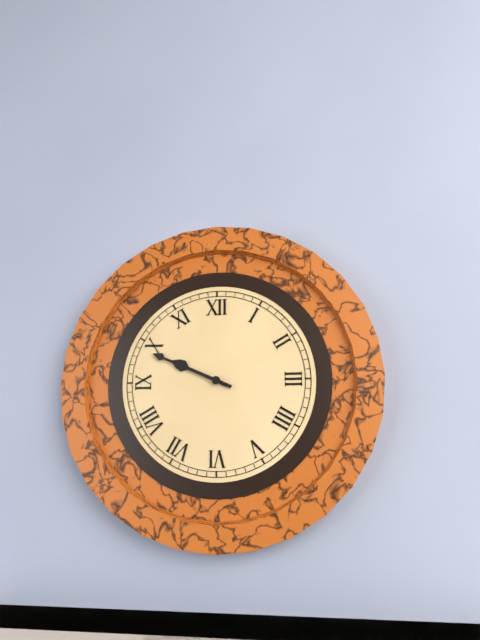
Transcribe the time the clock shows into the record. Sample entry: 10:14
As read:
9:49
